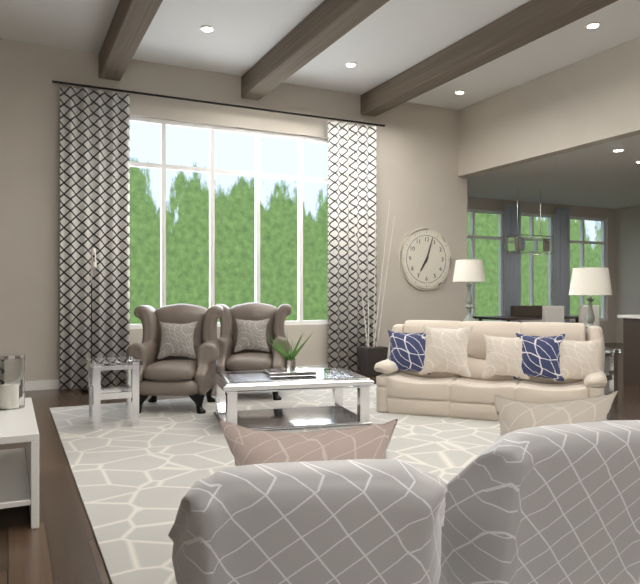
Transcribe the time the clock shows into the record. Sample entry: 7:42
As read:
7:03
